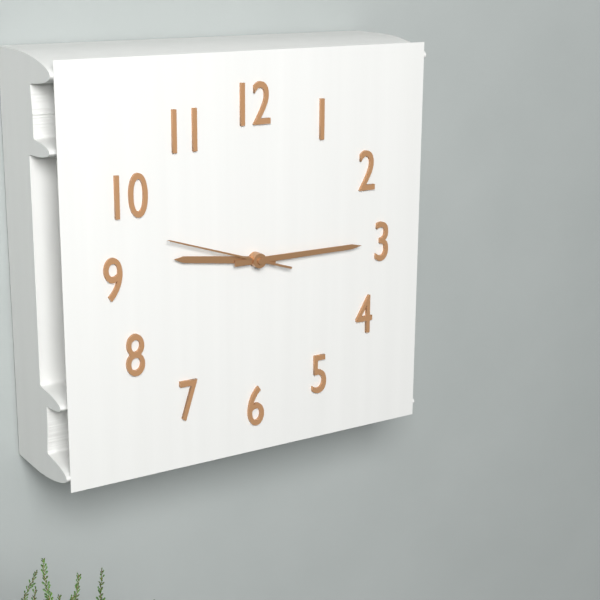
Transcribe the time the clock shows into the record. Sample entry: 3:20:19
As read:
9:15:48
